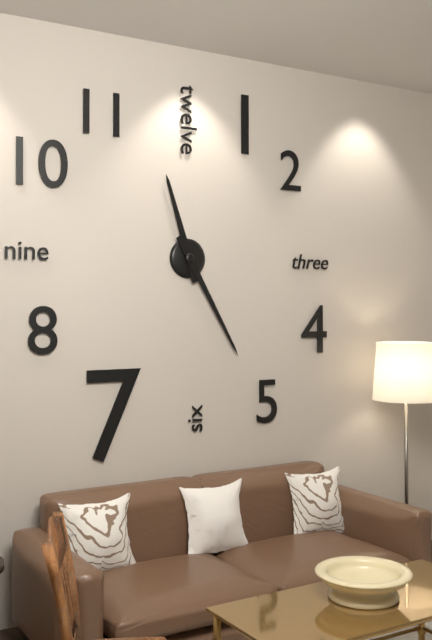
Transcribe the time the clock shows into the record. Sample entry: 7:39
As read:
11:25
